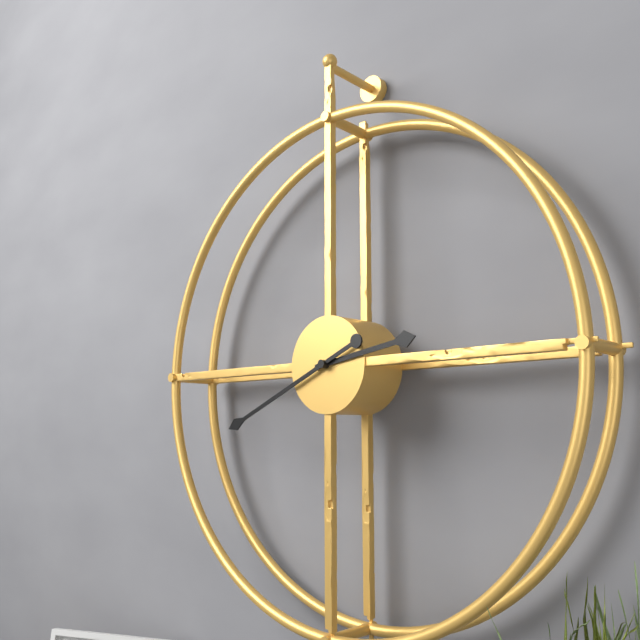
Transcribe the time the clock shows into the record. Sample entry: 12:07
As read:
2:41
